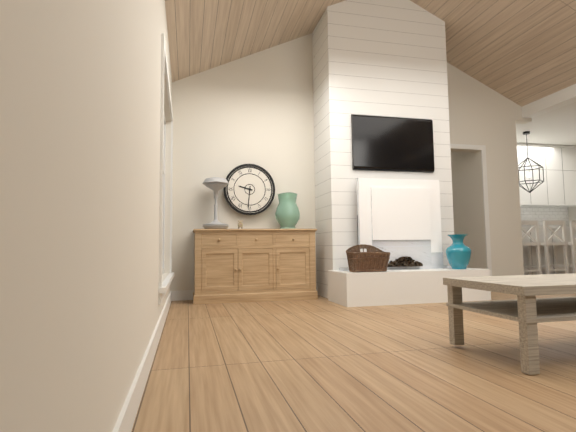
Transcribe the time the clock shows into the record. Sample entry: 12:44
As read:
9:31
